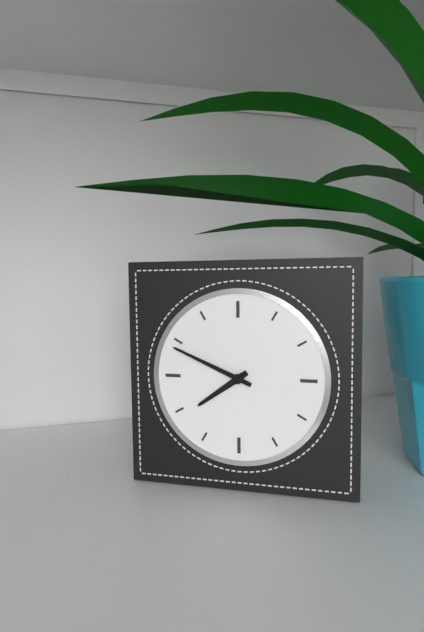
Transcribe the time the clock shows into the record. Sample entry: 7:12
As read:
7:49
